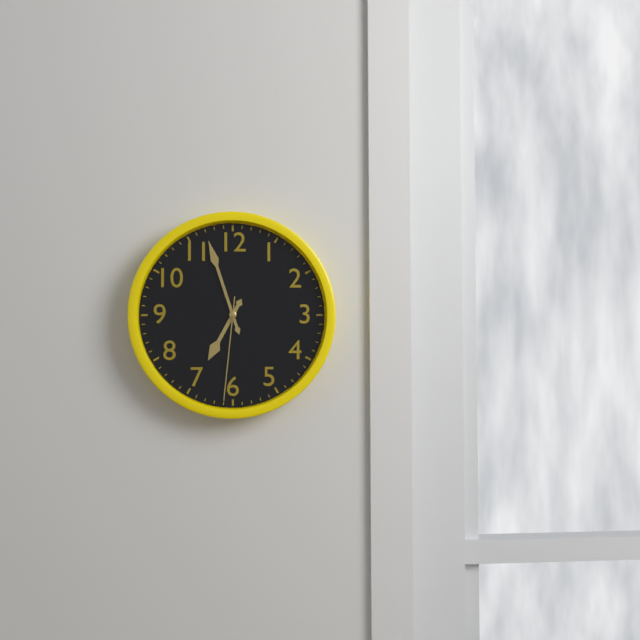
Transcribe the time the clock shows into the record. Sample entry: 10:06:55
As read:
6:57:31
